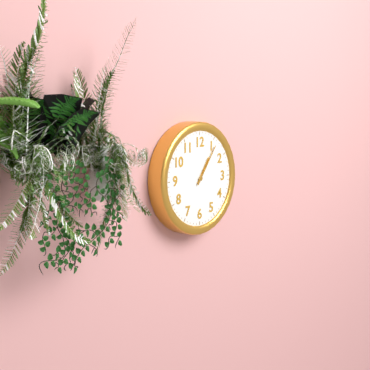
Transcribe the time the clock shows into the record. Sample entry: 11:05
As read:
1:06
